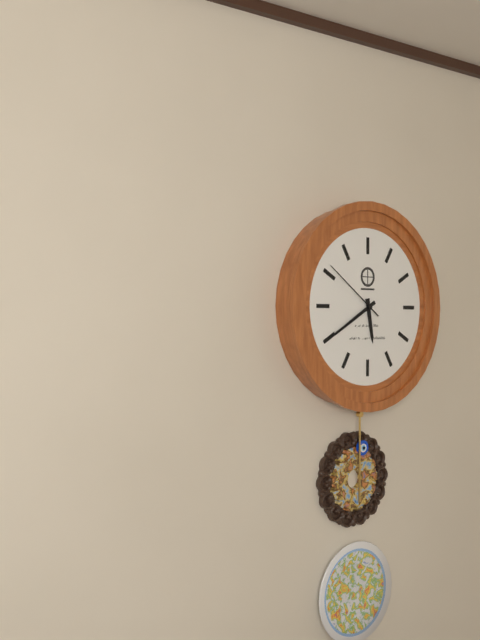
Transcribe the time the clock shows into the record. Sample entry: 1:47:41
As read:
5:40:51
